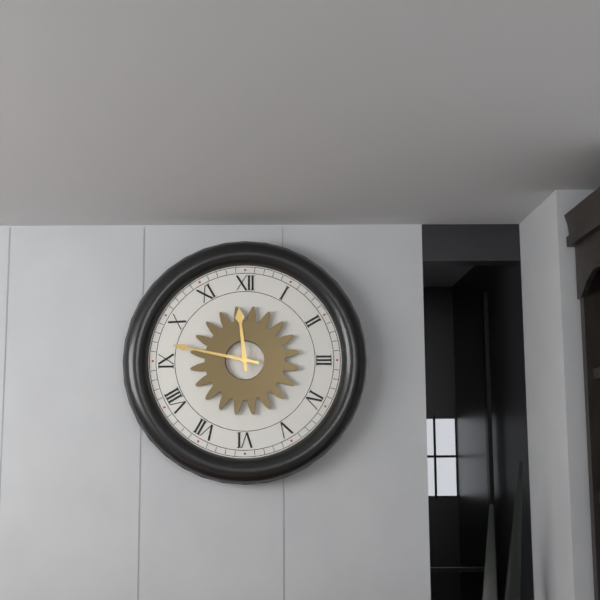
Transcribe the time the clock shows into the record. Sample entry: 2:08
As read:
11:47
